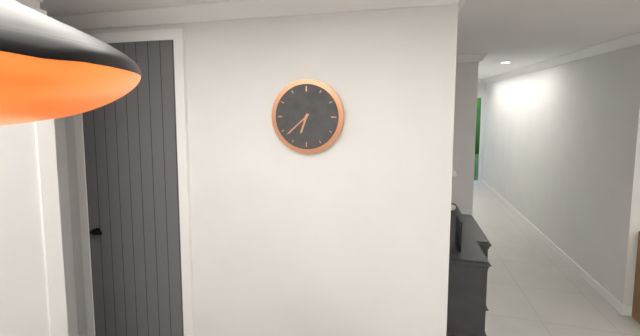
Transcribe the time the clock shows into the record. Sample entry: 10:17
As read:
6:38
